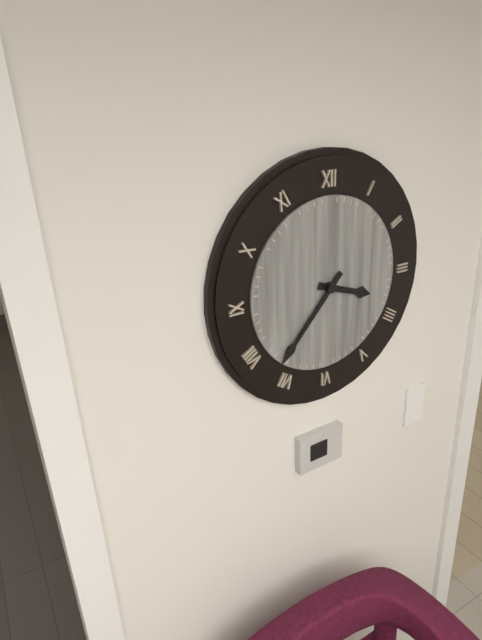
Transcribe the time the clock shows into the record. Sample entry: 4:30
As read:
3:37
